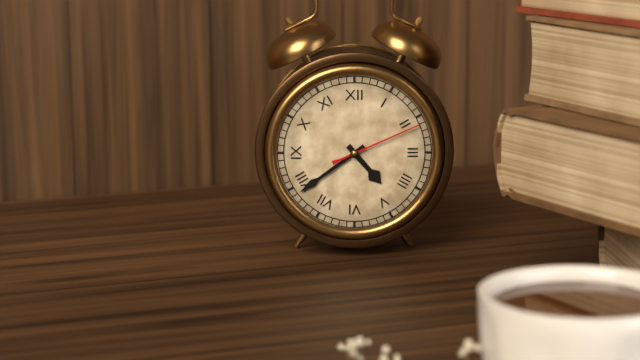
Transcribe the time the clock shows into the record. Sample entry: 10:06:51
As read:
4:39:11
